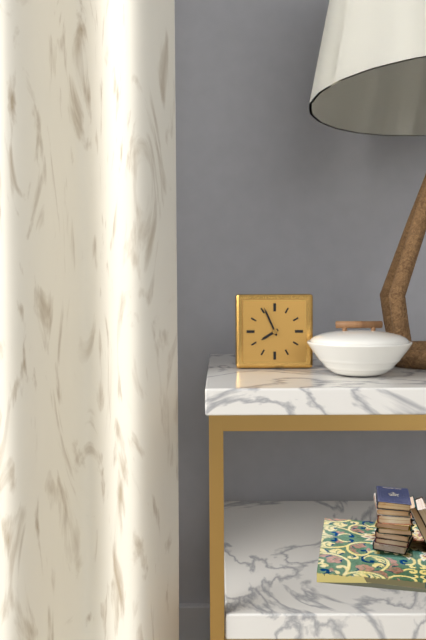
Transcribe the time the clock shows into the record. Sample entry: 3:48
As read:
7:56
